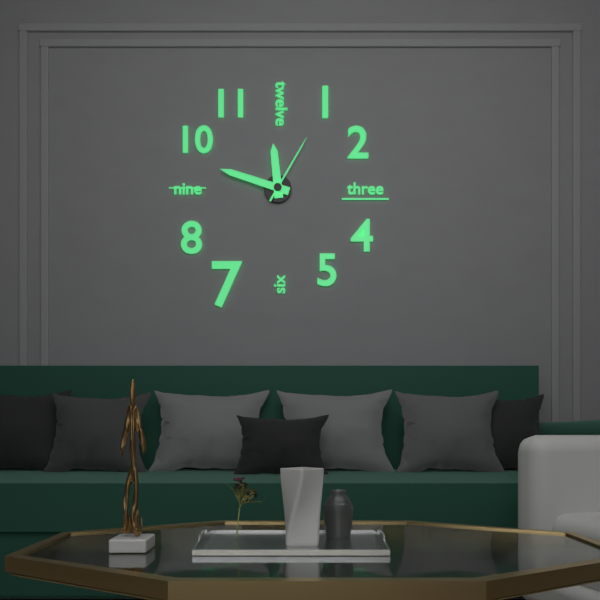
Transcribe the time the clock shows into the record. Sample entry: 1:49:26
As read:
11:48:05
